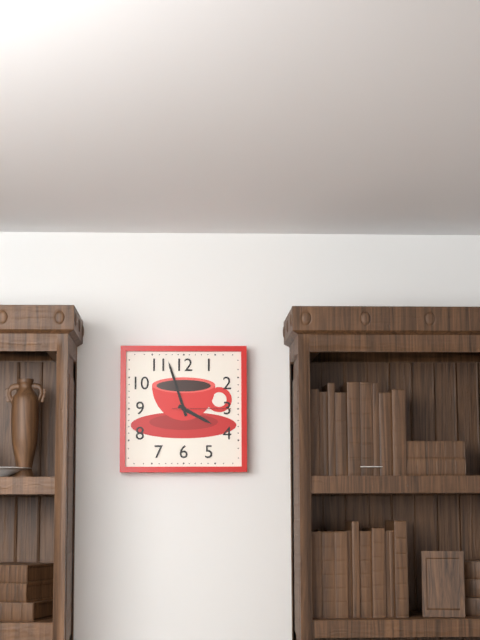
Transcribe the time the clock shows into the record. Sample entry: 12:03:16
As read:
3:57:15
